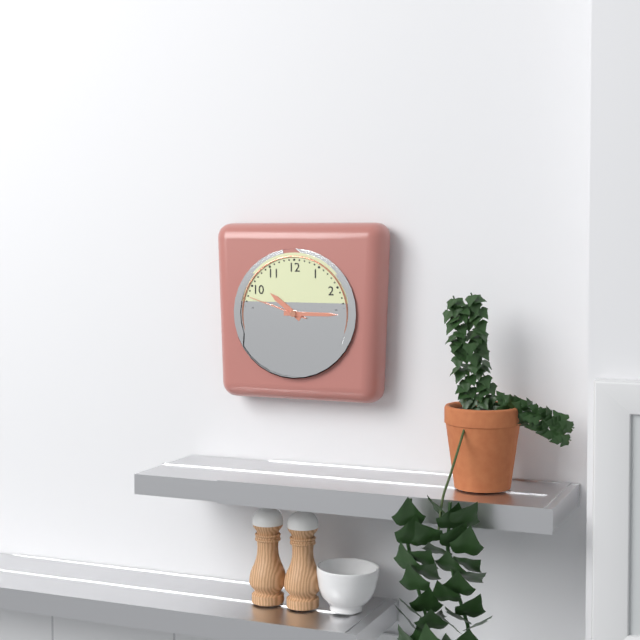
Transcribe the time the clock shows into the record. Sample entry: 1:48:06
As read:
10:15:48
